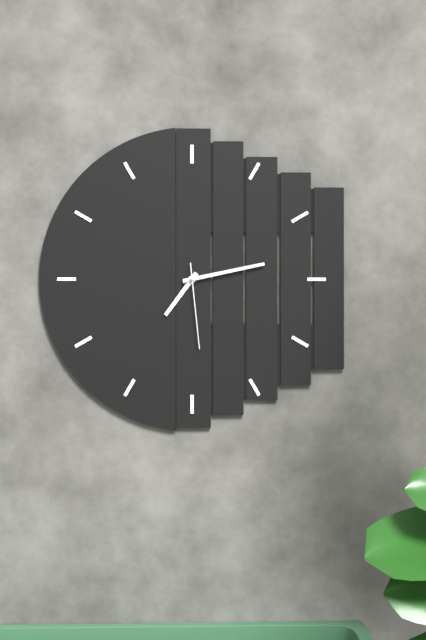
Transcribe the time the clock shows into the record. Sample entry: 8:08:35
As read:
7:13:29
